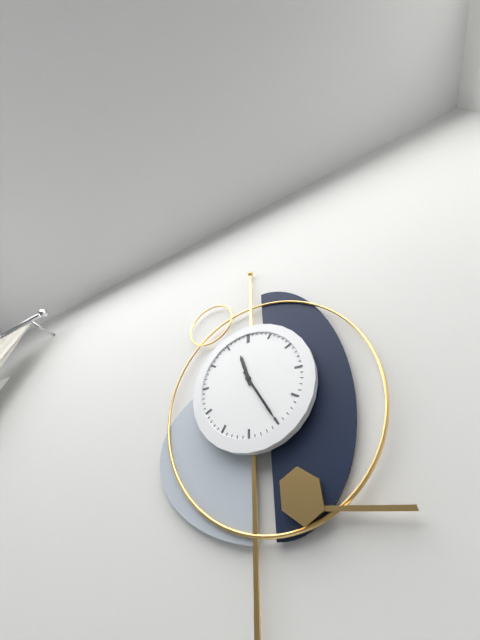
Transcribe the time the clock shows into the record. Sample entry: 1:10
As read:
11:25
